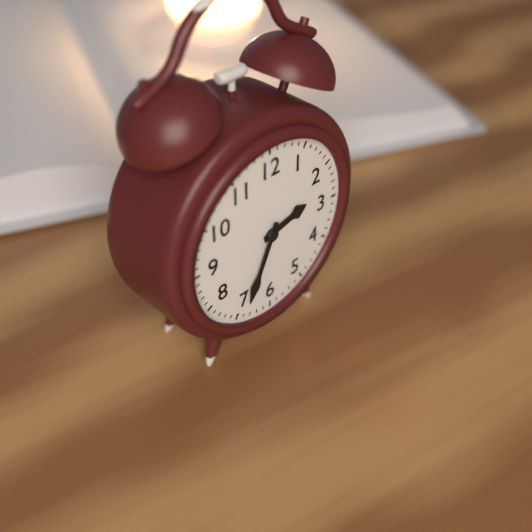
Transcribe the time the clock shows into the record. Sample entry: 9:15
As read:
2:34
